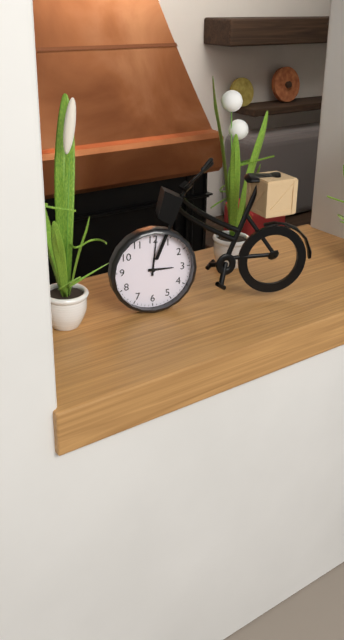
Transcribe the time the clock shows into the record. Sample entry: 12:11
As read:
3:01
